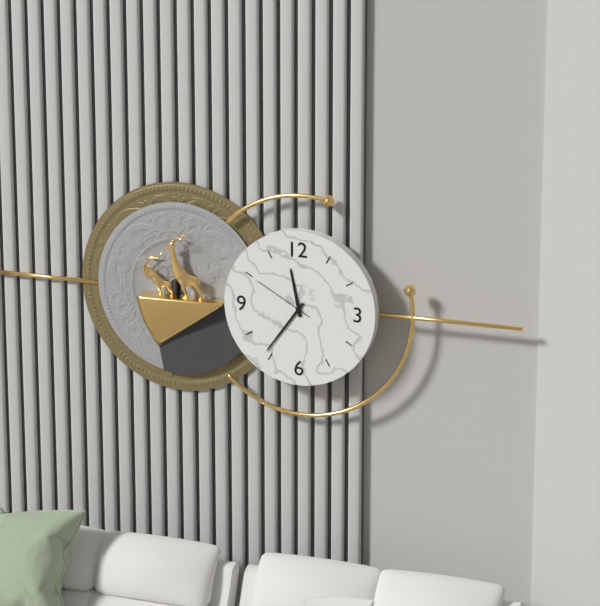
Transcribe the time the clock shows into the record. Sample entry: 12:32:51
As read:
11:36:50
